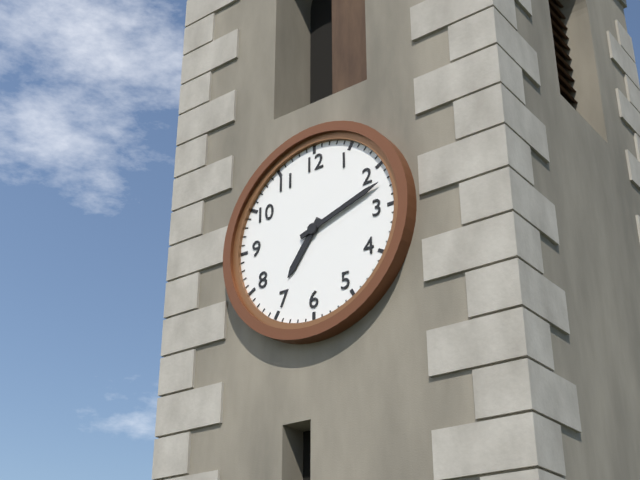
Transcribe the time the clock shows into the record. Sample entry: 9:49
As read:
7:12
